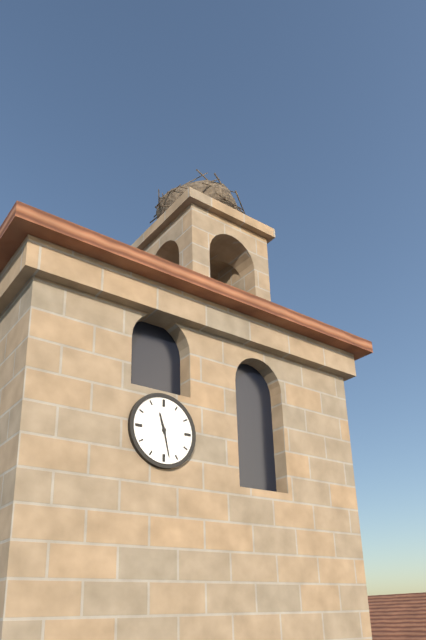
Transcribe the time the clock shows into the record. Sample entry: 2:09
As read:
11:28
